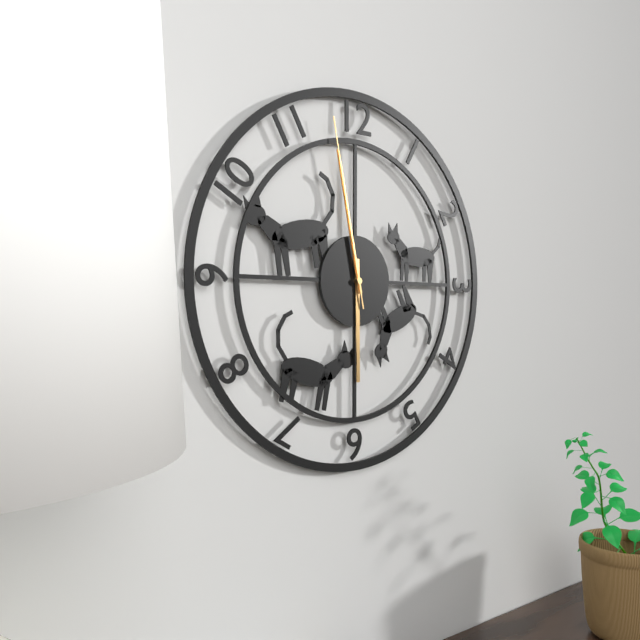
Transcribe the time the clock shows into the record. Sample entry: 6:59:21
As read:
5:58:58
